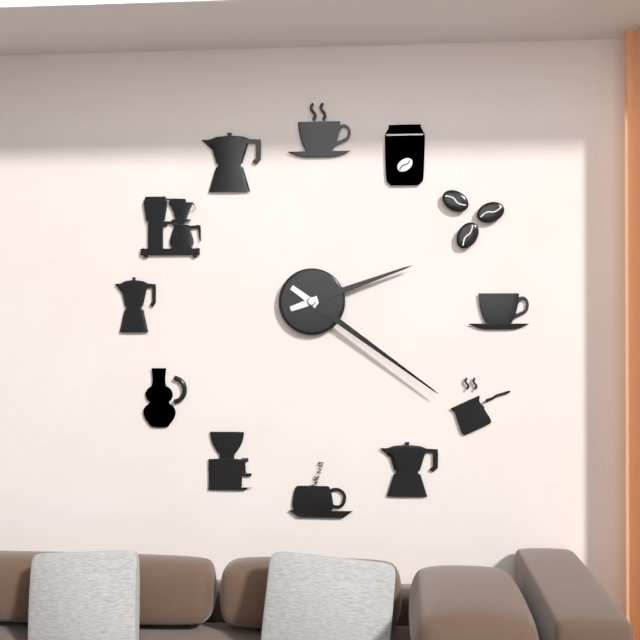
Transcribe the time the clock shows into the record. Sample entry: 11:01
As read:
2:21
